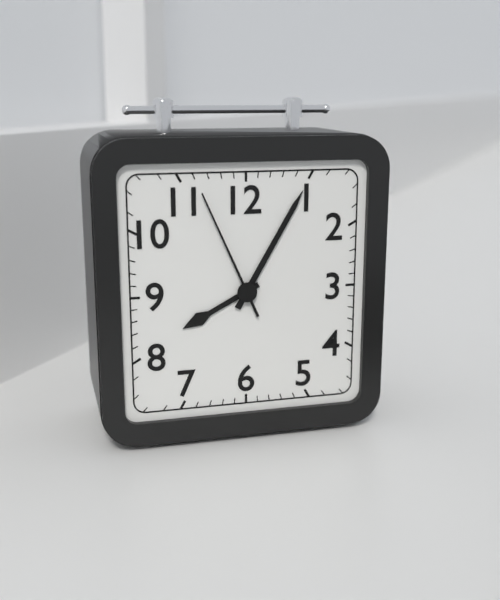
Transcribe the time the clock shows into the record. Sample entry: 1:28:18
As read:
8:05:56
